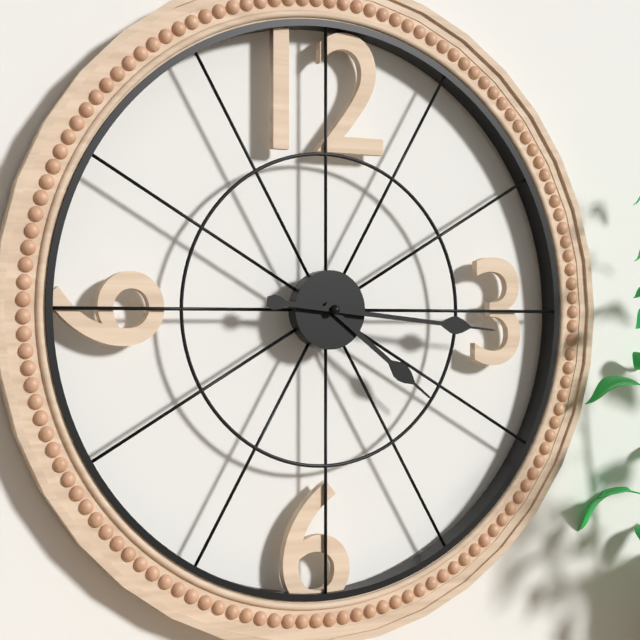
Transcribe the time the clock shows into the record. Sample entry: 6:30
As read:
4:16
